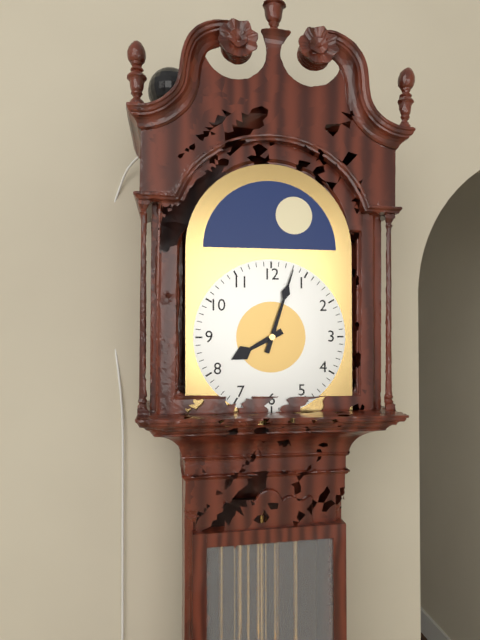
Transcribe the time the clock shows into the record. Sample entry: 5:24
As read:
8:03
